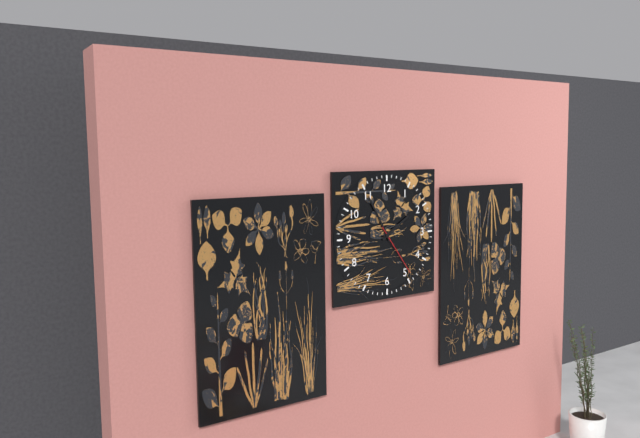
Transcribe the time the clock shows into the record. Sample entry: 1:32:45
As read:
1:55:24
